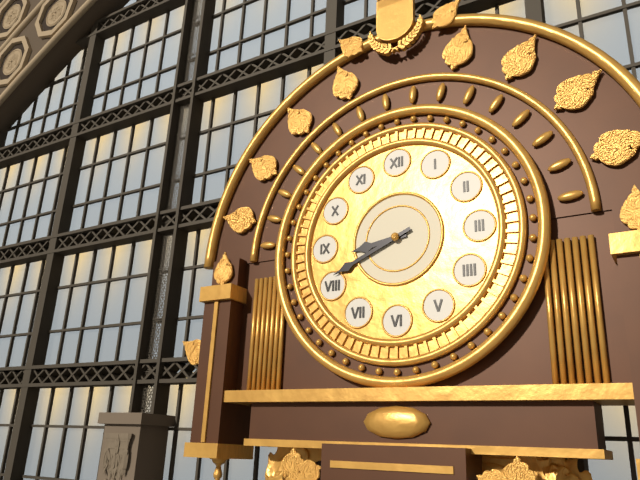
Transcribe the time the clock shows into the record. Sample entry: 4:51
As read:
8:41
